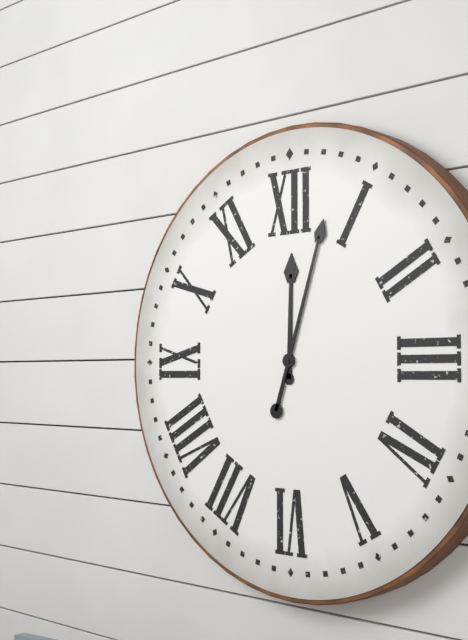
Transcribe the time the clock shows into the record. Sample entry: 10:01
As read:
12:03
